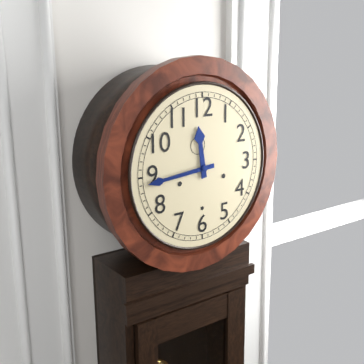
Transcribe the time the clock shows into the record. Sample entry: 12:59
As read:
11:44
